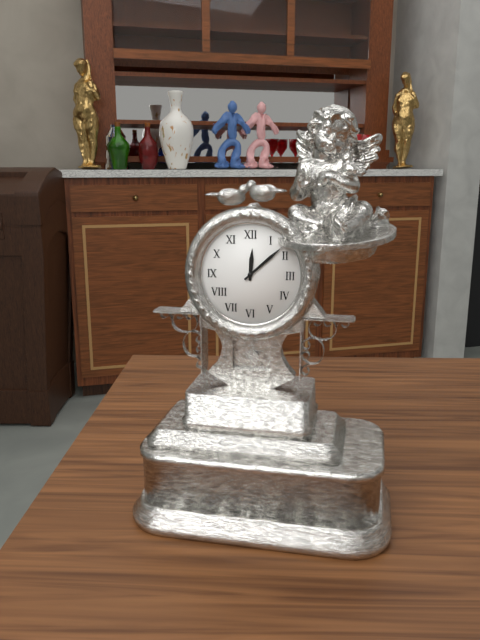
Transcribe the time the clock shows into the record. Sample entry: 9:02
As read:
12:08
